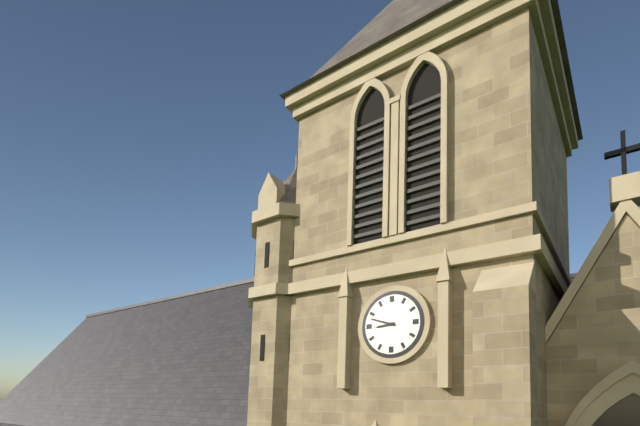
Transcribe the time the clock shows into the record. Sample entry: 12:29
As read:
8:48
